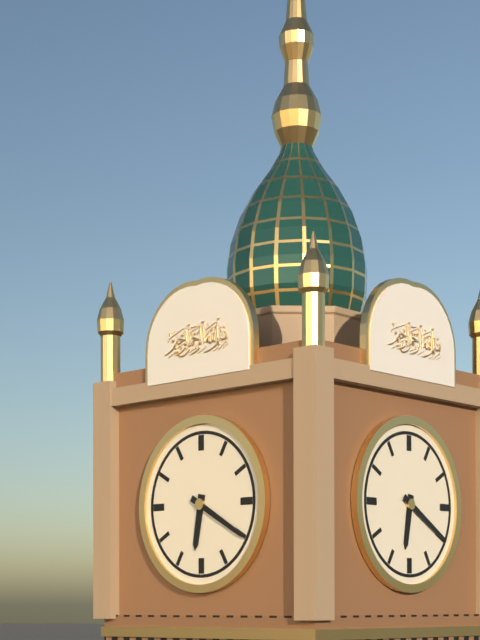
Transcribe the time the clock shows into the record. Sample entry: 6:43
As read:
6:20
